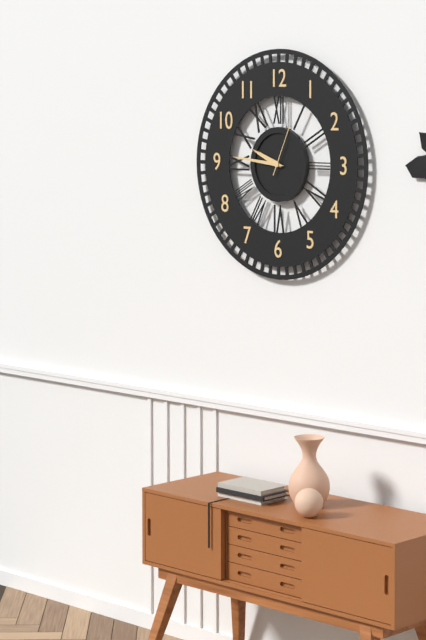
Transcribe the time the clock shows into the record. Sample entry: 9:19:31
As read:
9:46:04
